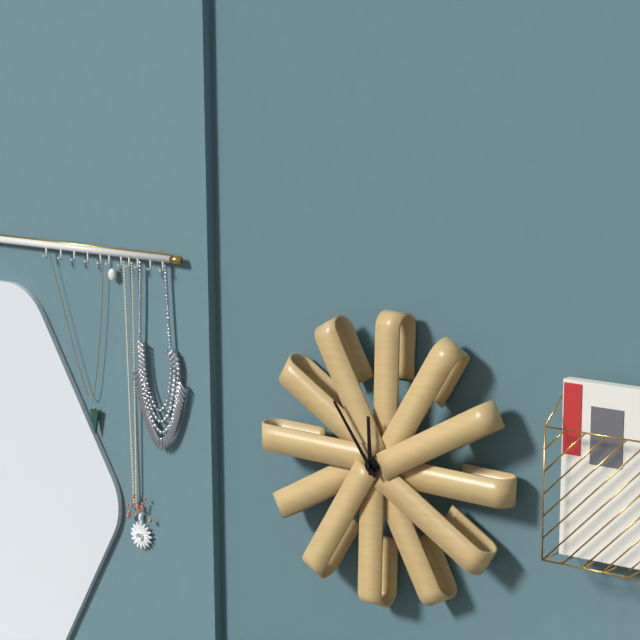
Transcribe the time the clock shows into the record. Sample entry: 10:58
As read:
11:54
